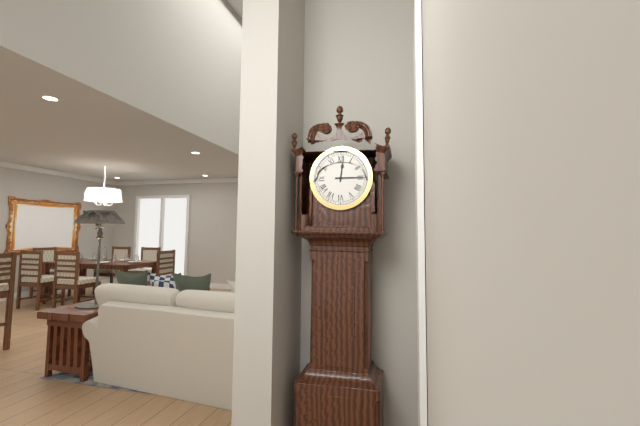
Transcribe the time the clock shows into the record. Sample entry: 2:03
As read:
12:15
